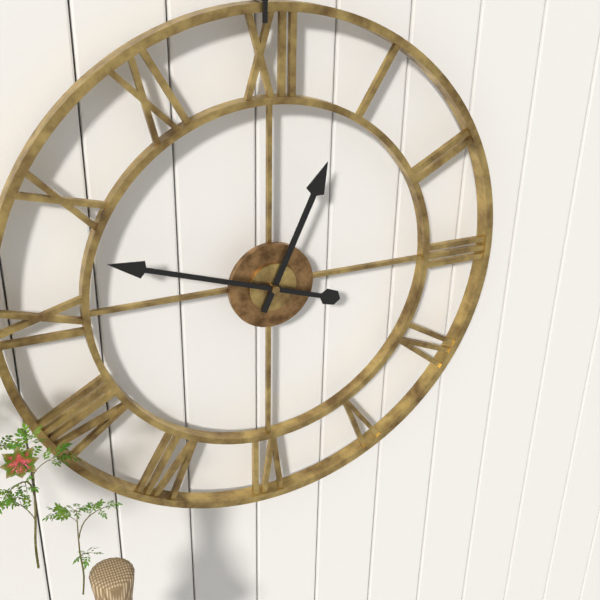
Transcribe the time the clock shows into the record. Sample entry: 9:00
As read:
12:48
